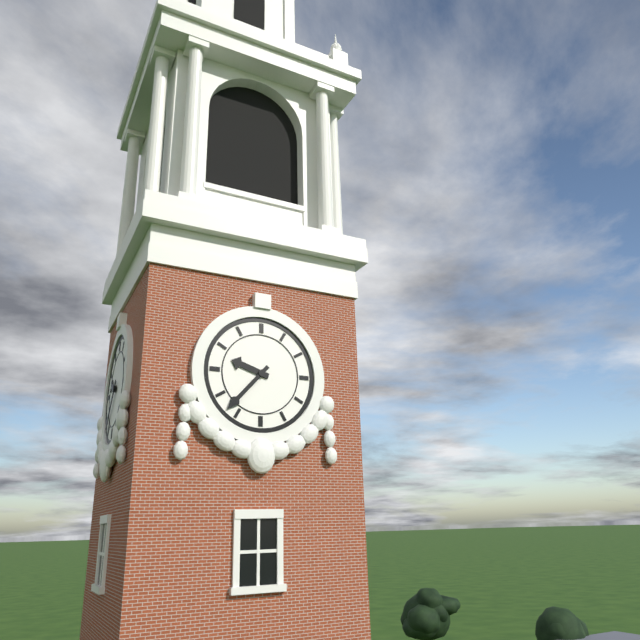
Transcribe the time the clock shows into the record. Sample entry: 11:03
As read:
9:37
